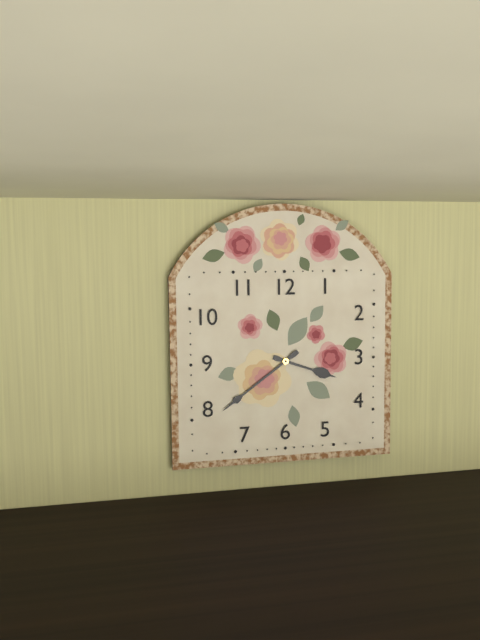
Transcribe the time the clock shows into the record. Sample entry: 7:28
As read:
3:39
